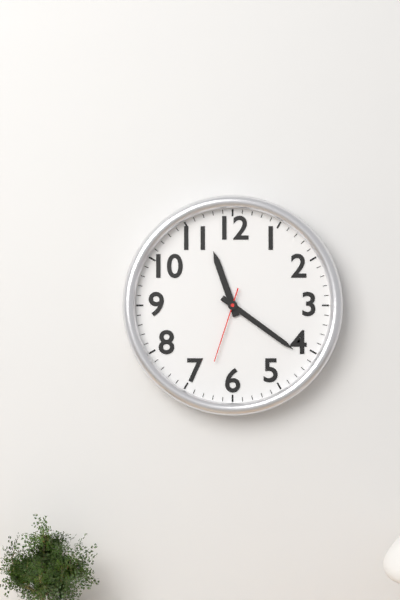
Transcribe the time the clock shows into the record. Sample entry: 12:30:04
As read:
11:21:33
